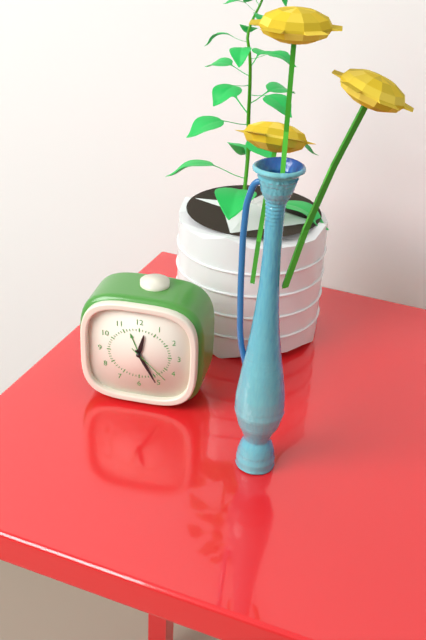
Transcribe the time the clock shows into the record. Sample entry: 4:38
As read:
12:25
